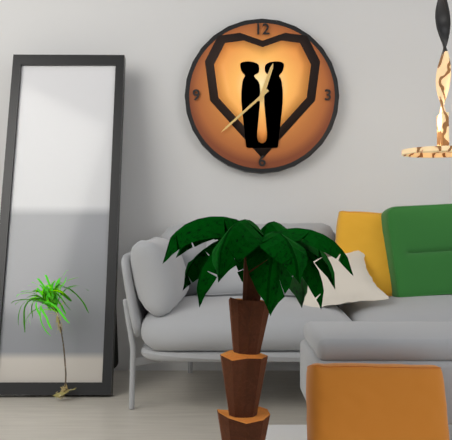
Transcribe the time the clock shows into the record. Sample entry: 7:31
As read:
12:38
